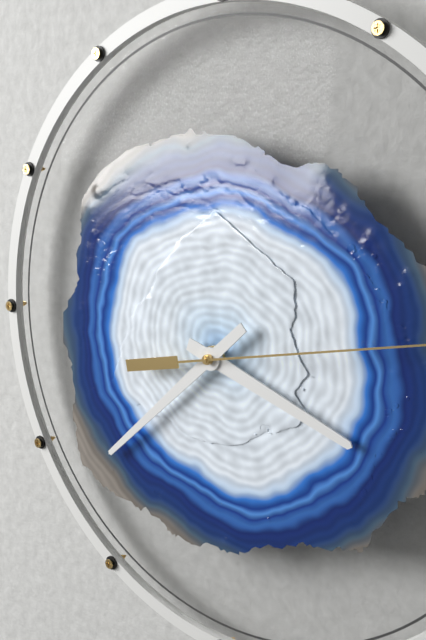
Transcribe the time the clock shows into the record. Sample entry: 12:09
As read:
3:38
